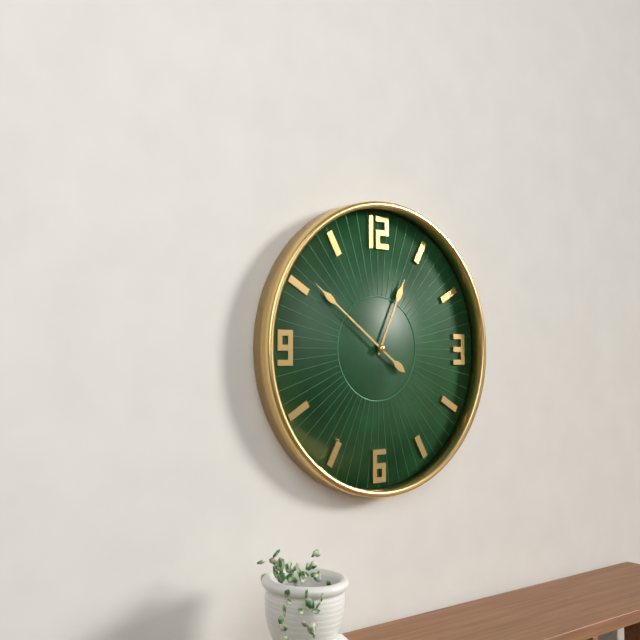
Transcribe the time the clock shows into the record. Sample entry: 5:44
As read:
12:51
